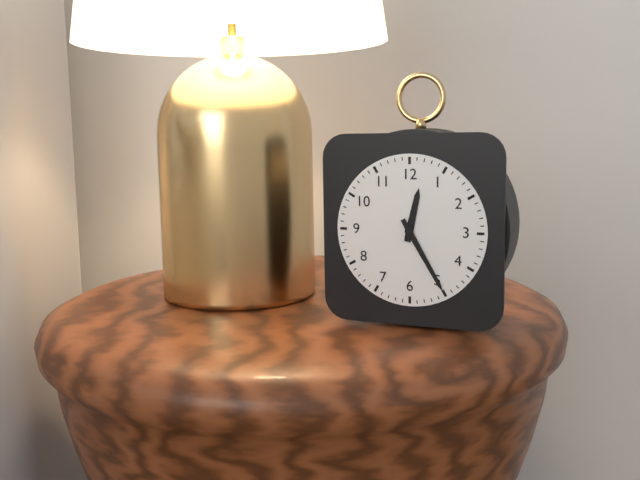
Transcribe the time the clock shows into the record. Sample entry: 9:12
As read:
12:25
